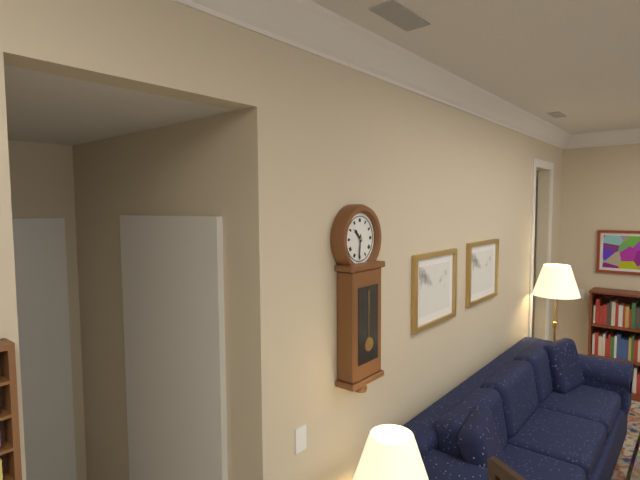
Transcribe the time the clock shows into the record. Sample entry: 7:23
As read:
10:31
